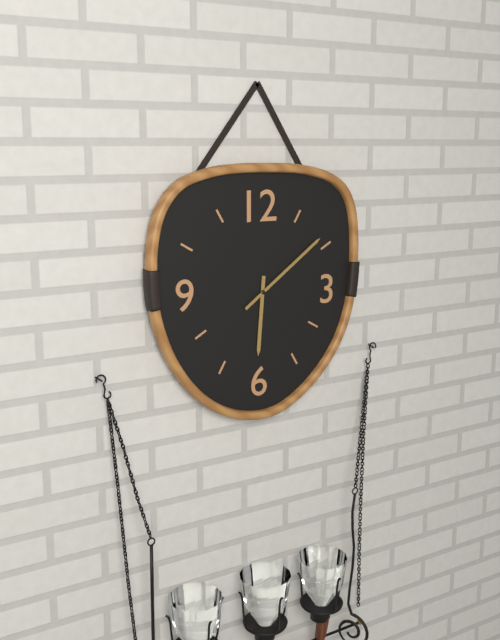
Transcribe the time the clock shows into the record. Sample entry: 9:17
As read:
6:09
